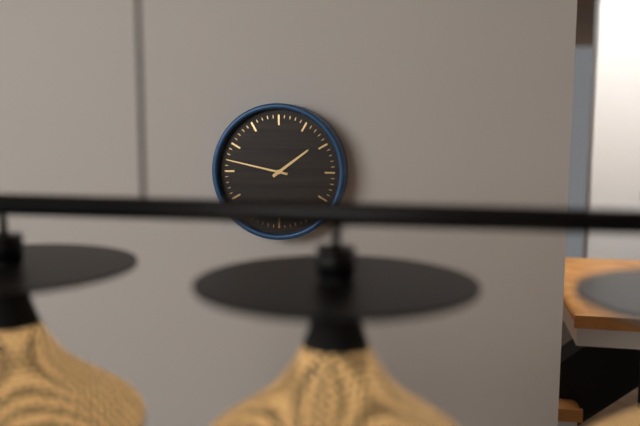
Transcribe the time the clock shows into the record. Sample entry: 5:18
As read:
1:47
